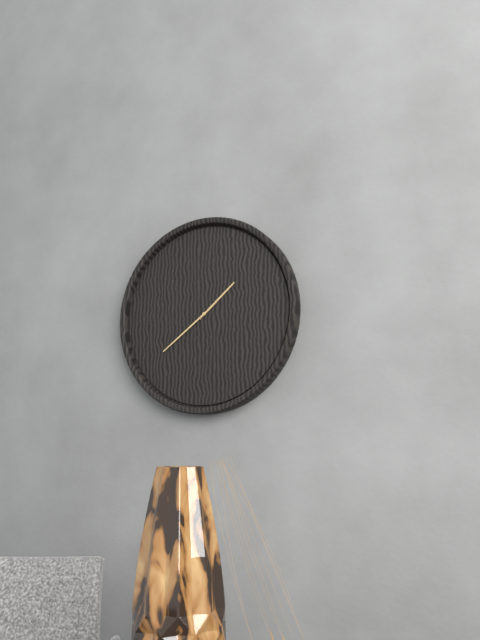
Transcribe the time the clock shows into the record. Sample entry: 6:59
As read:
1:39
